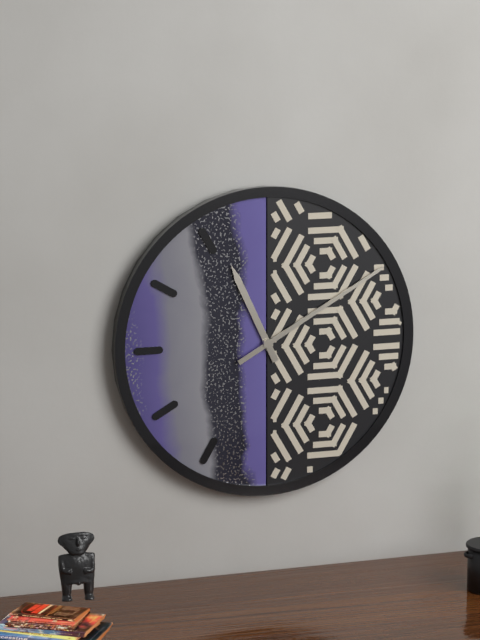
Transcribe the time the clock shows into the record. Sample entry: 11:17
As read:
11:10
